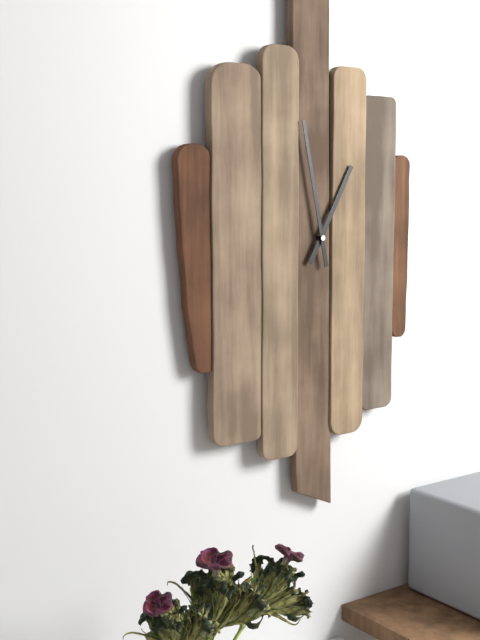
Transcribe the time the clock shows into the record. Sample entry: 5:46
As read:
12:58
